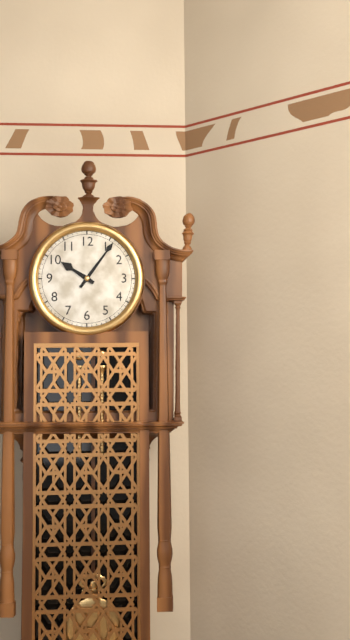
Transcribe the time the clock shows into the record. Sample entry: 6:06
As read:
10:06
